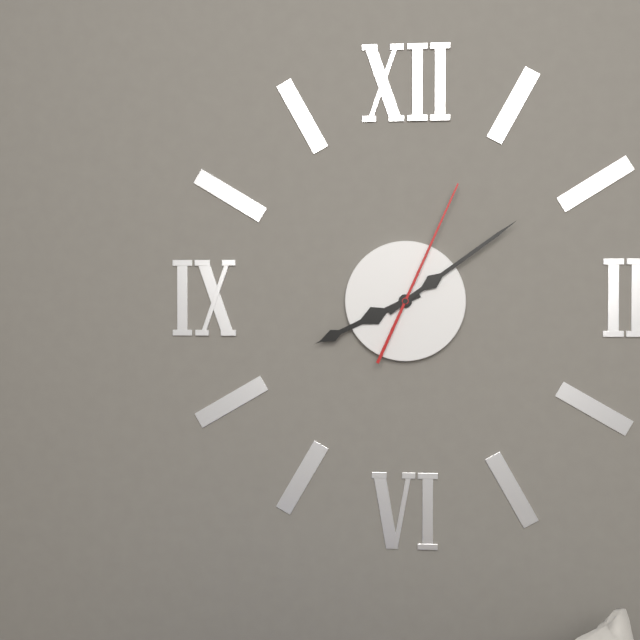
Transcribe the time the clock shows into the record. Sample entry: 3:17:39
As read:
8:09:04
